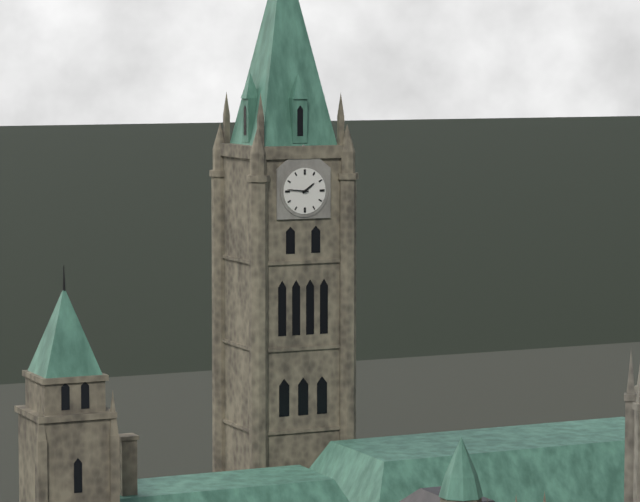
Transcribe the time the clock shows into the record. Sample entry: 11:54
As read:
1:46
